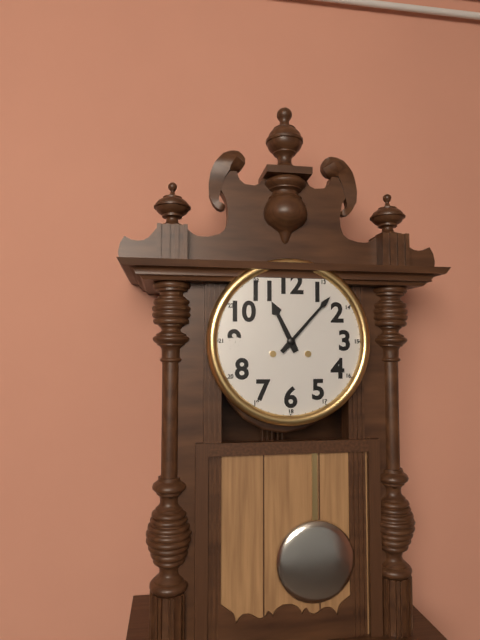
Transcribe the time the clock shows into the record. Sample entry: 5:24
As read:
11:07
